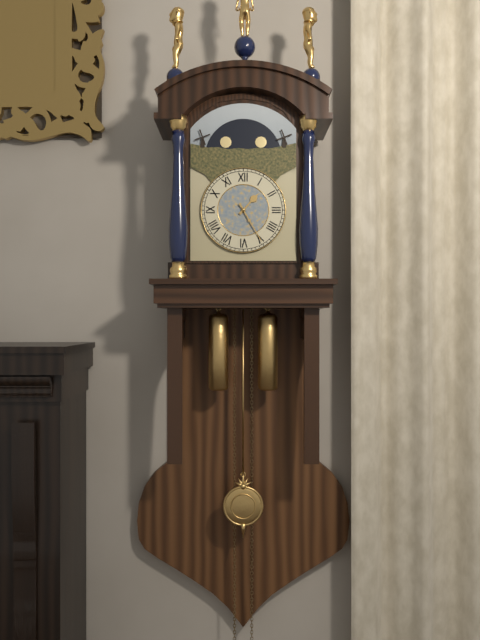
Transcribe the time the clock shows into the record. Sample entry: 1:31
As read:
1:25
